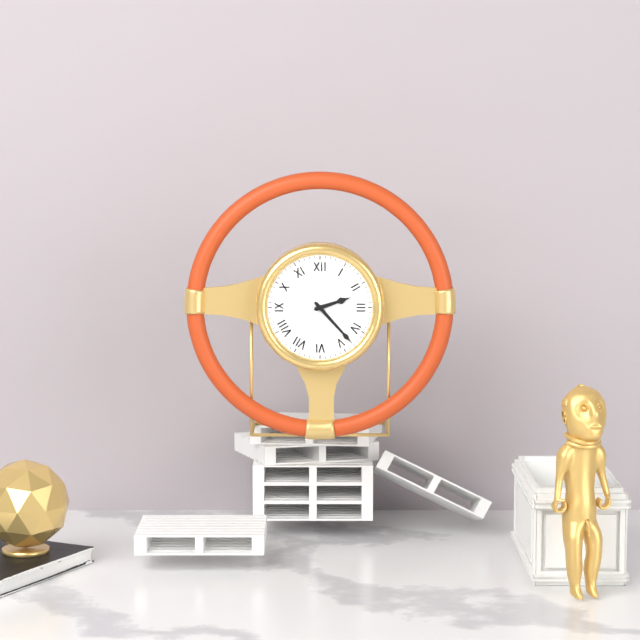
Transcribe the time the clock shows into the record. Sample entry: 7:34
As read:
2:23
